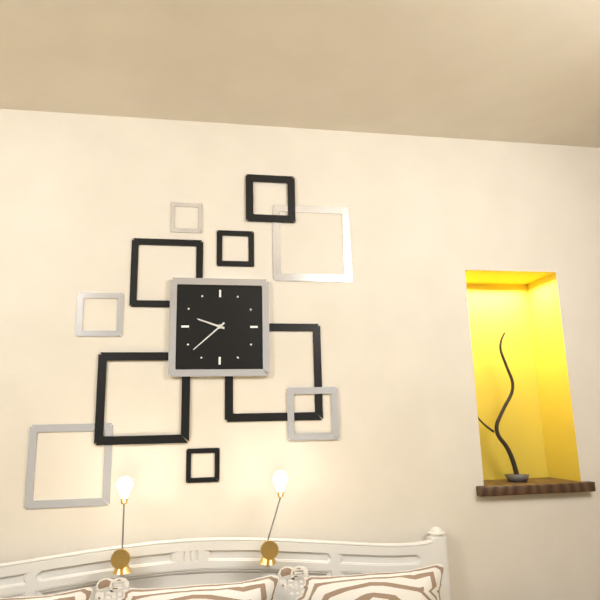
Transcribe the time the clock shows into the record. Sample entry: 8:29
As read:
9:38
